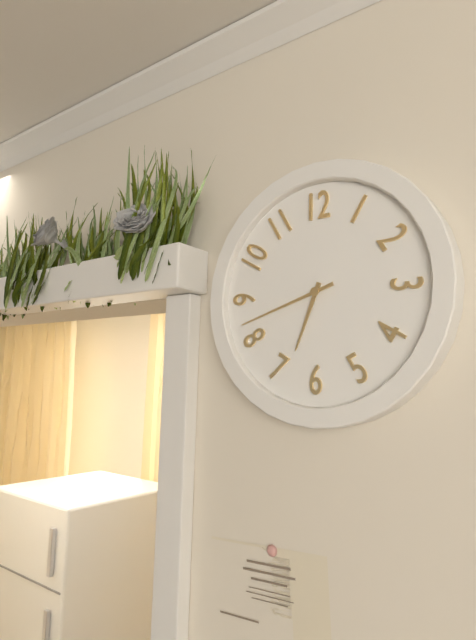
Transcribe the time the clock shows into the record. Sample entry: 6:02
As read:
6:42
